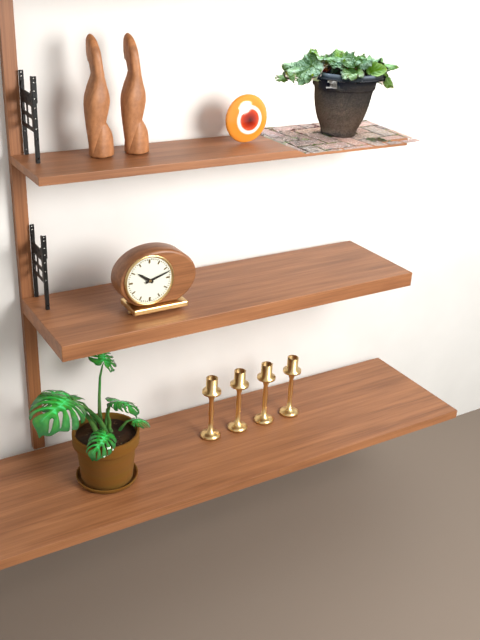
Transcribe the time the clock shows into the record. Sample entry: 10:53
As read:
10:12
